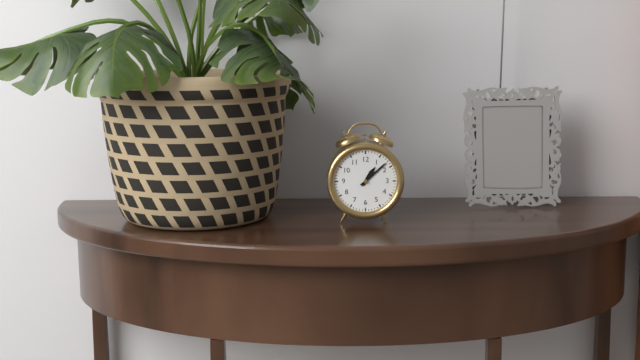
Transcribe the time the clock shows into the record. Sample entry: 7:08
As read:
1:08
